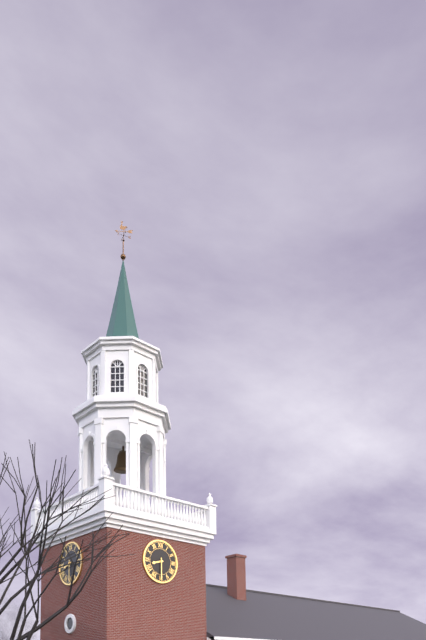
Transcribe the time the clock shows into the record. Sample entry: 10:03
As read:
8:30
